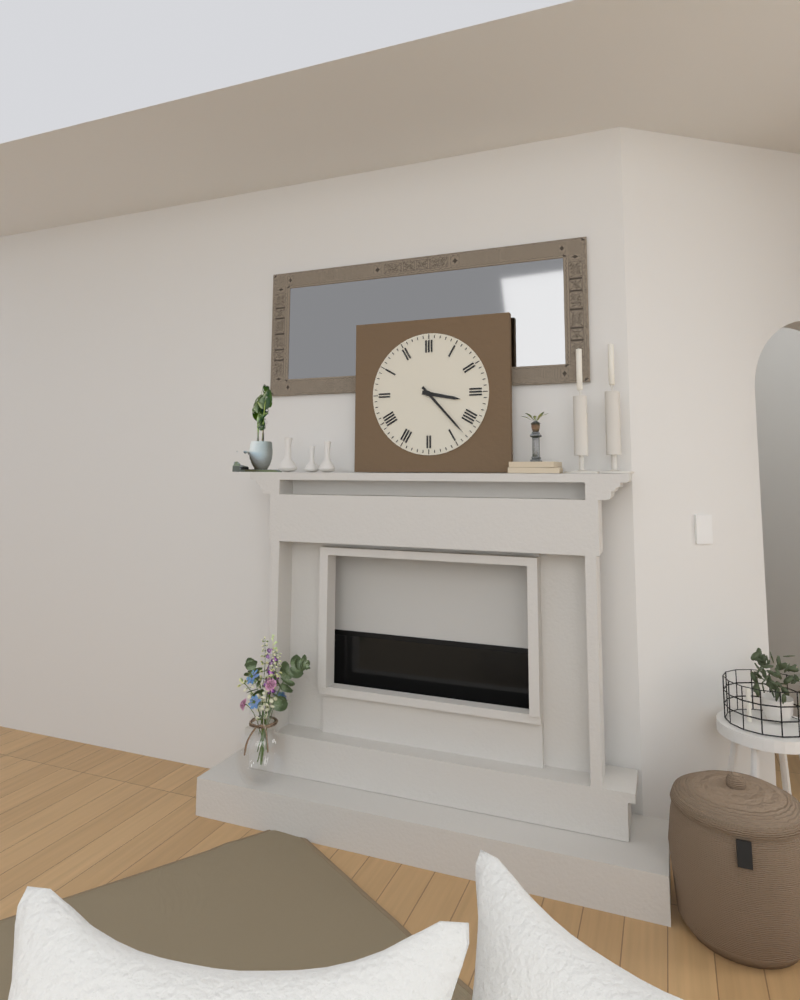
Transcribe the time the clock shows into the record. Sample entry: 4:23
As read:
3:23
